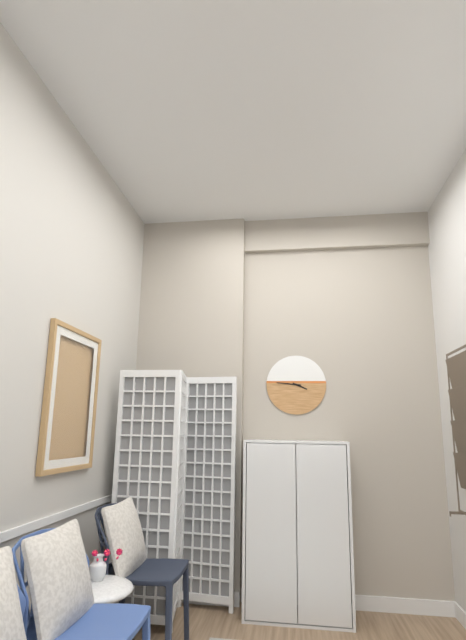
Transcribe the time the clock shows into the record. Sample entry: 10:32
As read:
3:46
